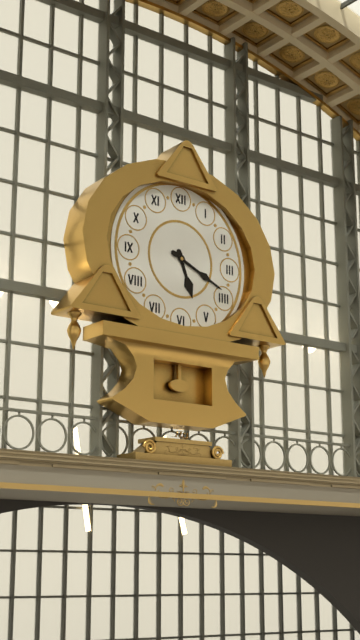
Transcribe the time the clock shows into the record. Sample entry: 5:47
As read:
5:19
